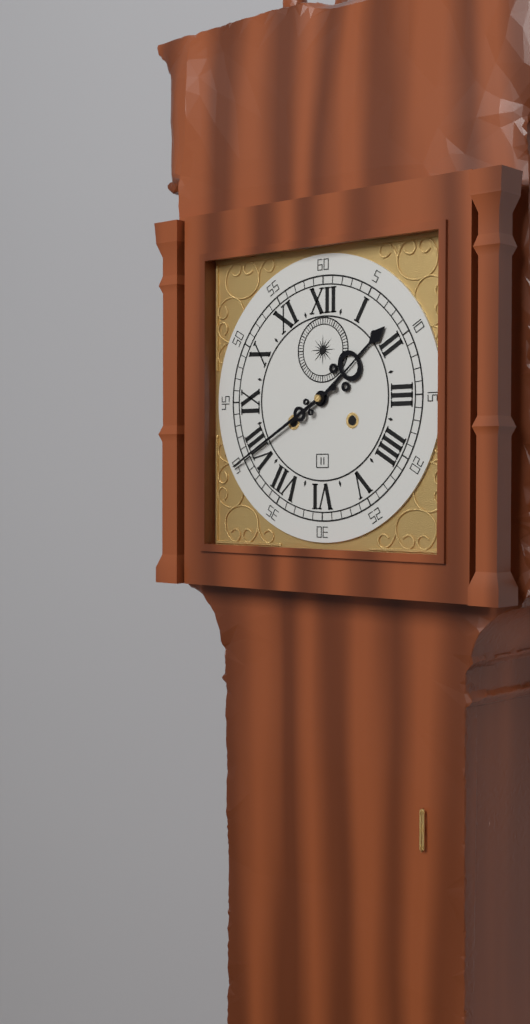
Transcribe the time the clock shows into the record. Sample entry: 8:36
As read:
1:40
